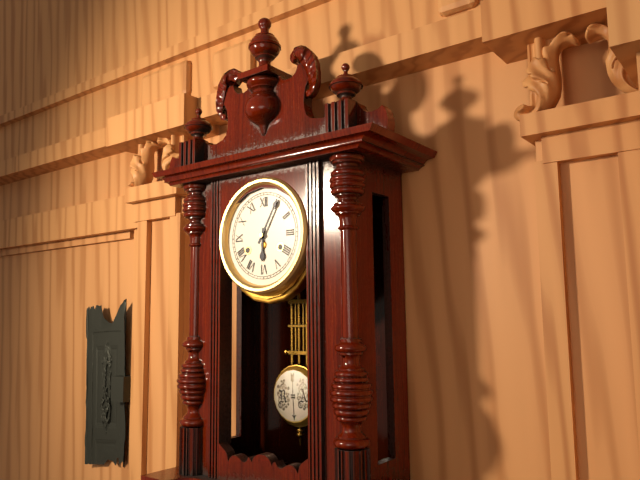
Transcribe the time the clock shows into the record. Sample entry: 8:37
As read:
6:05
